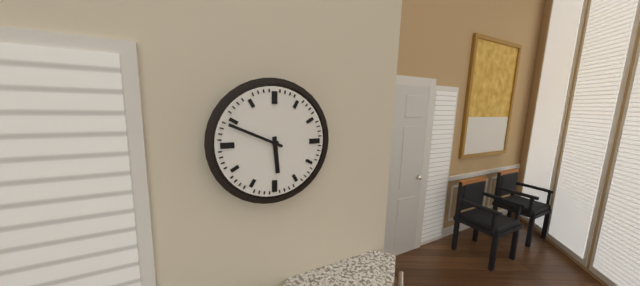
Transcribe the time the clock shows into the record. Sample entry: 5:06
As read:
5:49
